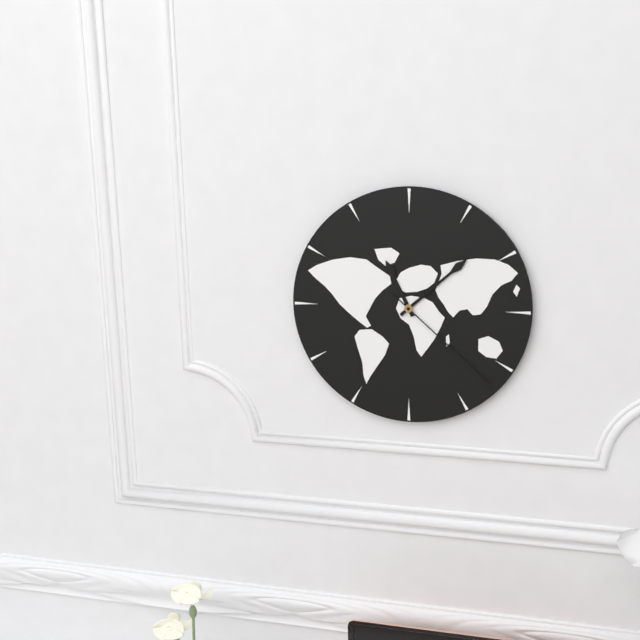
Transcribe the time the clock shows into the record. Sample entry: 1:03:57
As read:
11:08:22
